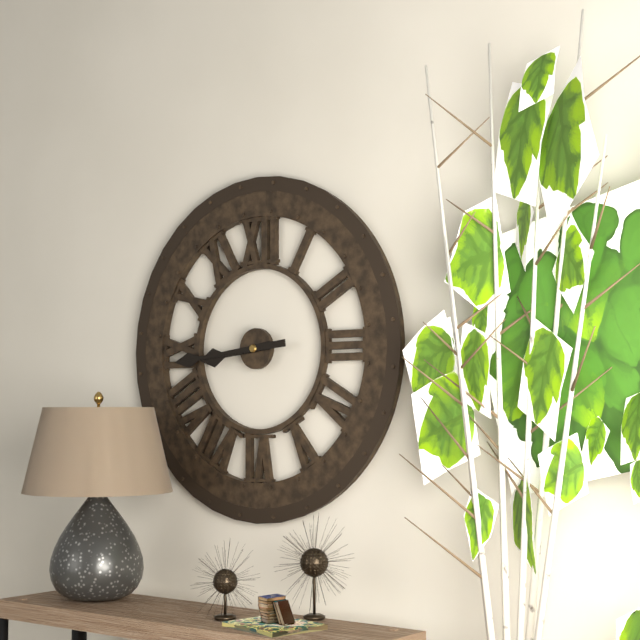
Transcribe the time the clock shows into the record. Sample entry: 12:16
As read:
8:44
